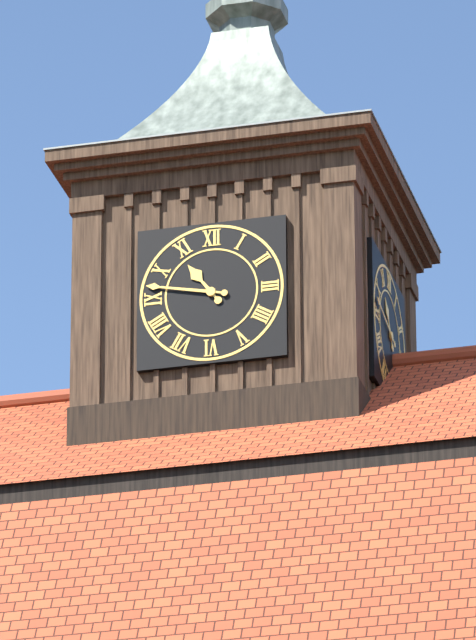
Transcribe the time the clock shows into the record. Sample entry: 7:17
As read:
10:47
